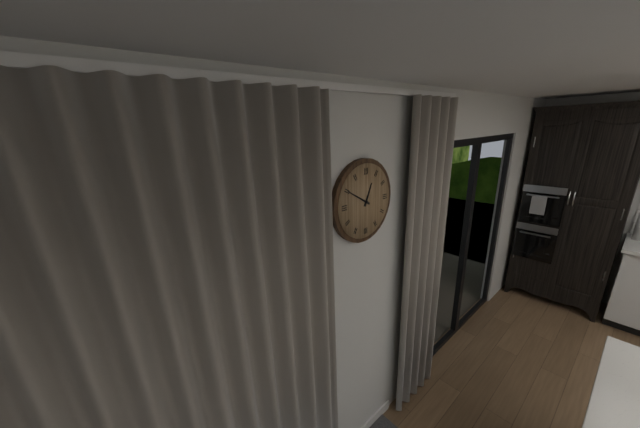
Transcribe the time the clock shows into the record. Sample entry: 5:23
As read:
12:50
